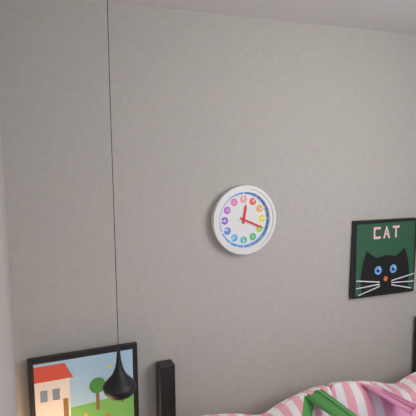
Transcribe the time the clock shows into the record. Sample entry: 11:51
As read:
12:19
